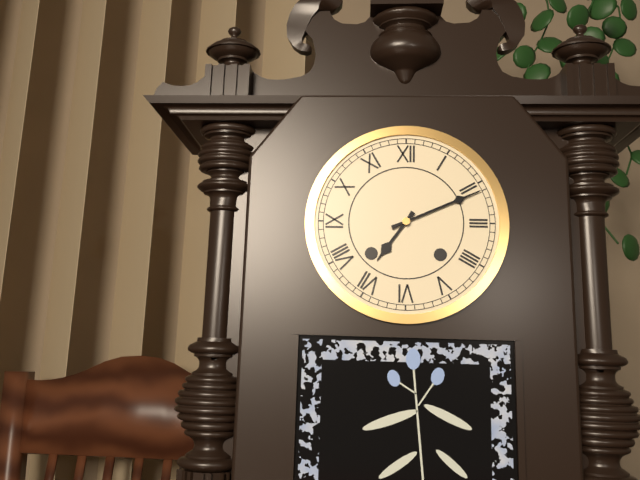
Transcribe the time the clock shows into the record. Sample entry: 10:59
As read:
7:11
